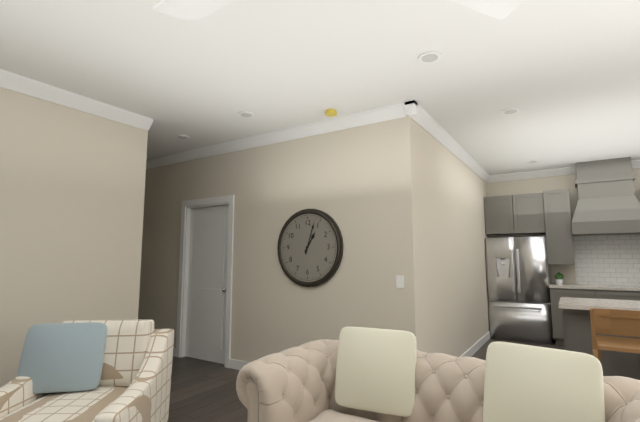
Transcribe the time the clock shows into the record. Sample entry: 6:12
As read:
1:03
